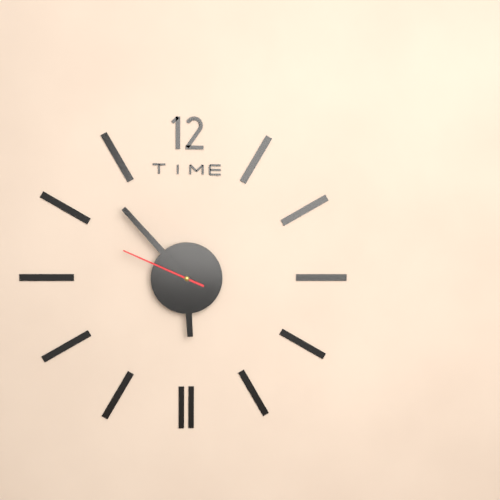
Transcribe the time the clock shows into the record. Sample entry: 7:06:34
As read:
5:53:49
